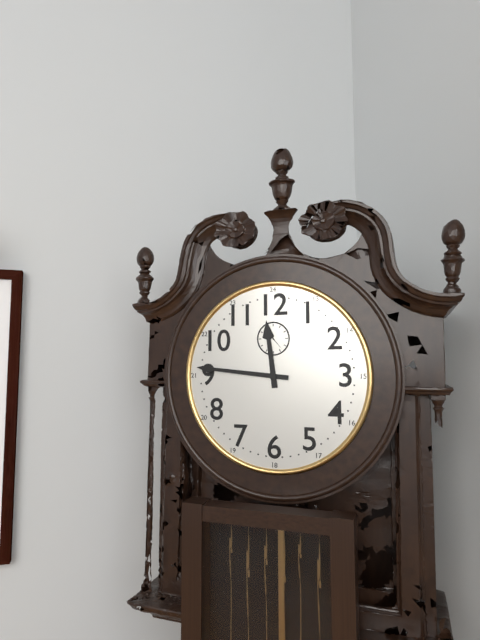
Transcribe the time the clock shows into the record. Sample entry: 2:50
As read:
11:46
